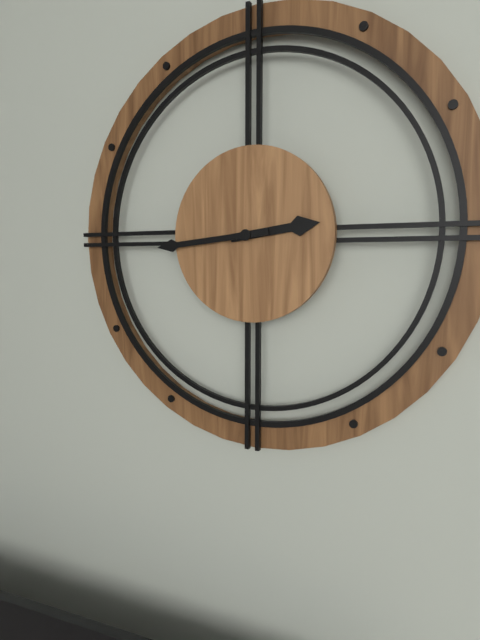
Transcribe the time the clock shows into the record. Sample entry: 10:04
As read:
2:44
